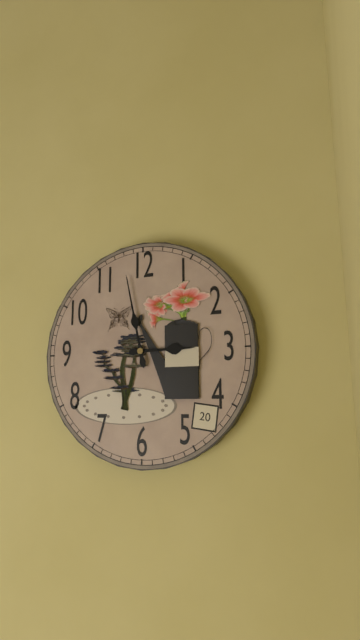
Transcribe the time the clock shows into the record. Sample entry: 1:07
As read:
2:58
